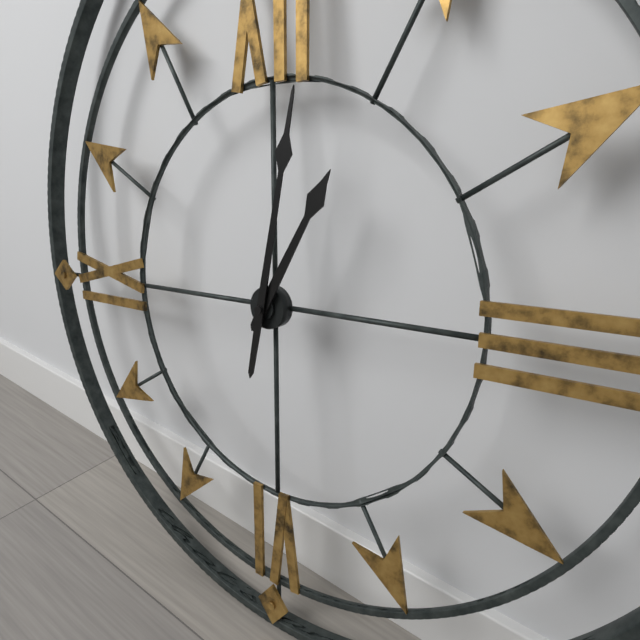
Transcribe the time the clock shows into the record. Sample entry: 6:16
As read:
1:02
